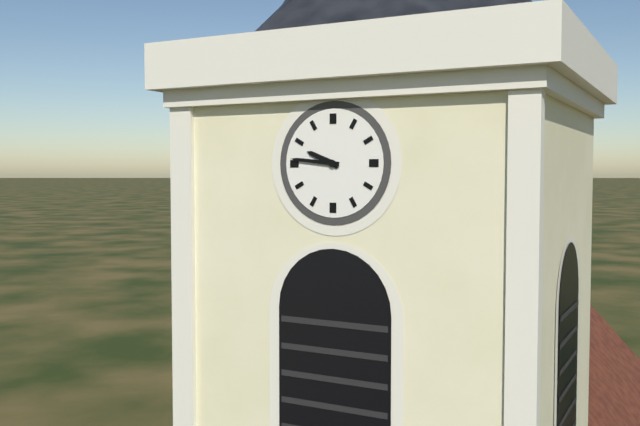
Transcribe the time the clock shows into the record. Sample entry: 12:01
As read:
9:46
